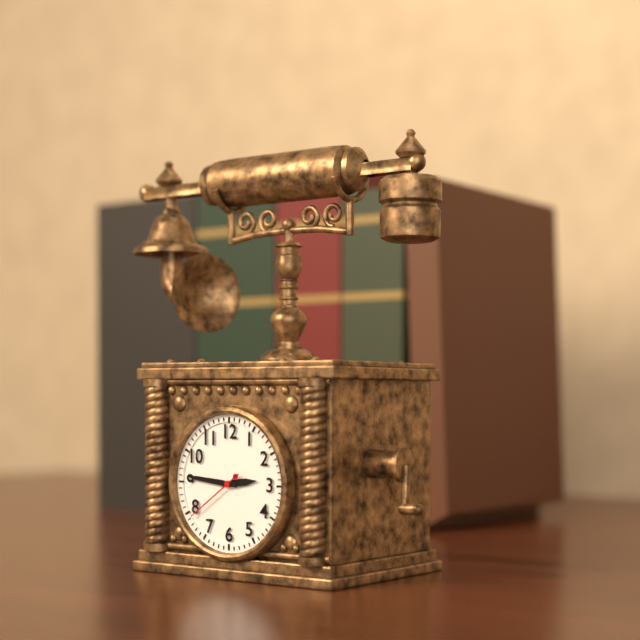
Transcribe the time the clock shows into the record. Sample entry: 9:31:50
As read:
2:46:39
